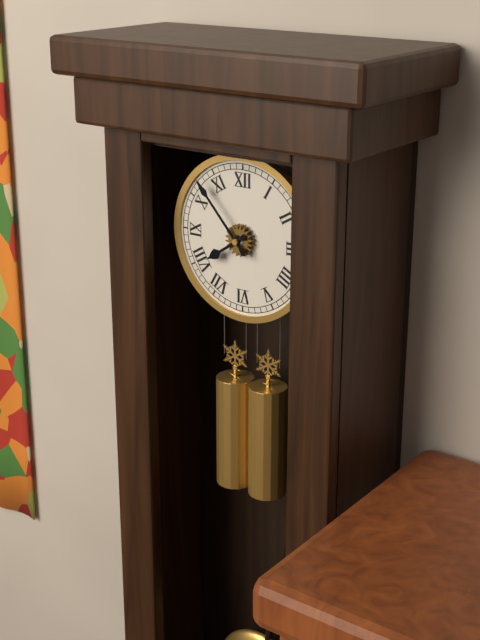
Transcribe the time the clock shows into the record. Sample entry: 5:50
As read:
7:53
